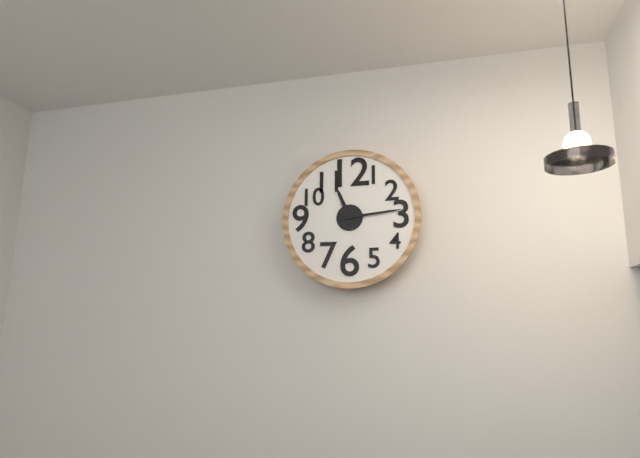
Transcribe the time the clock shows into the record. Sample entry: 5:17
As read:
11:14
